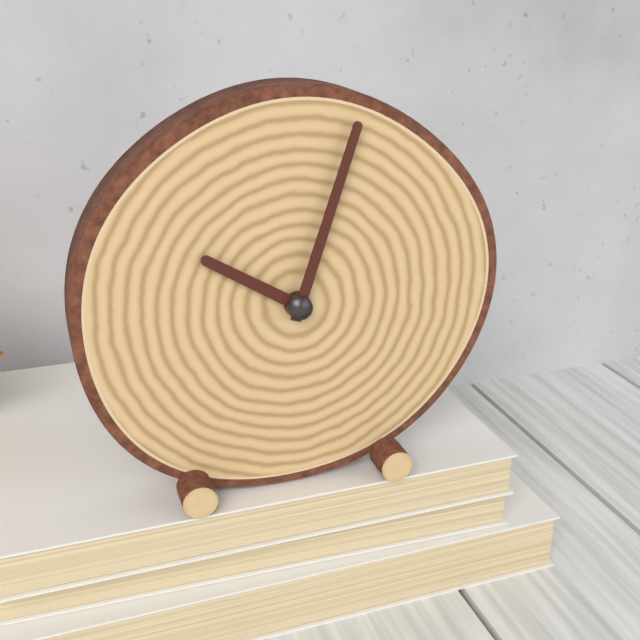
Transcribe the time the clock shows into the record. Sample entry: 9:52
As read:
10:03
